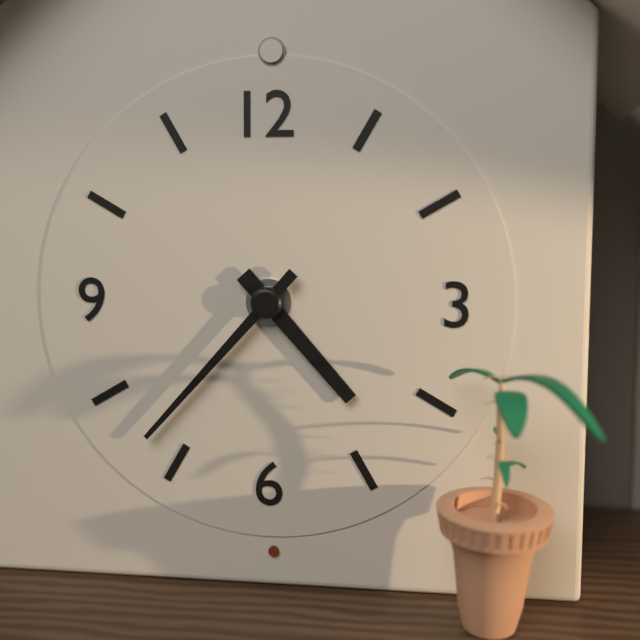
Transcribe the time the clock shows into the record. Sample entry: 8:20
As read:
4:37
